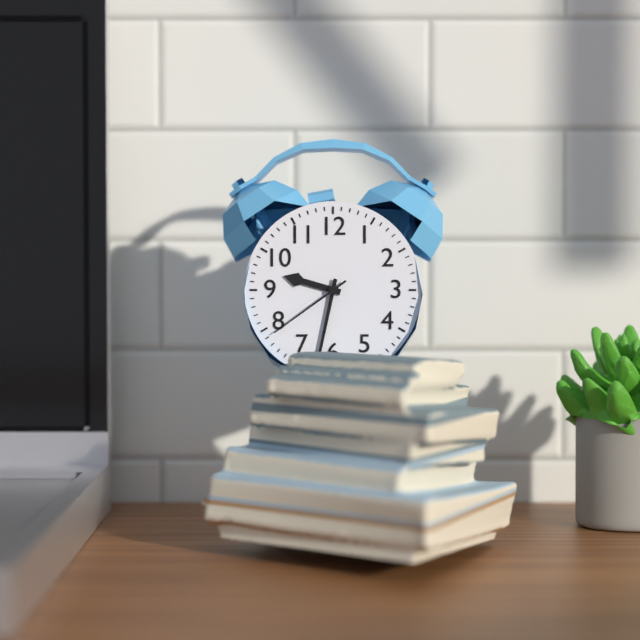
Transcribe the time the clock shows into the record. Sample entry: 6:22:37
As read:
9:32:39
